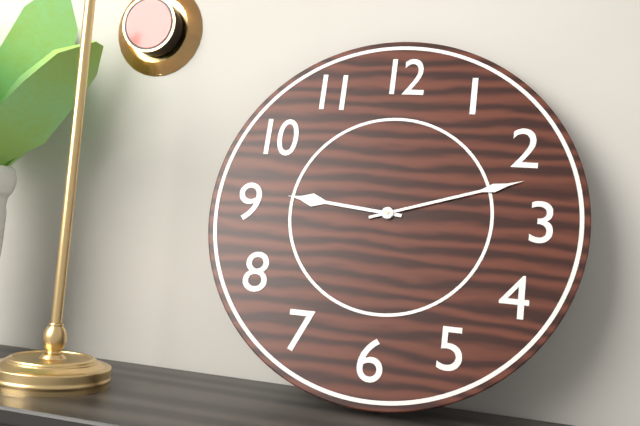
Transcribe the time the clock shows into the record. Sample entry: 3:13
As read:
9:12
